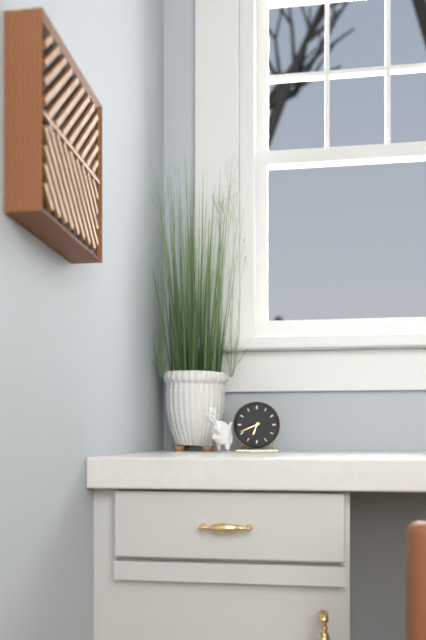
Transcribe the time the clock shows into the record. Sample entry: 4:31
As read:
6:41
